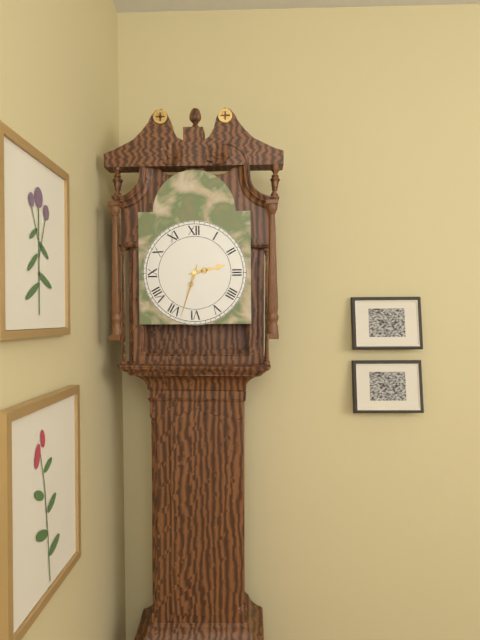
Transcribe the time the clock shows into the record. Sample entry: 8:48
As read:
2:33
